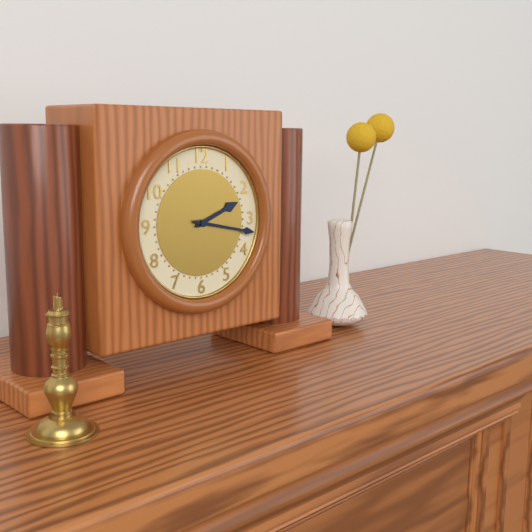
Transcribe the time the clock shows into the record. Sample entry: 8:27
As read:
2:17
